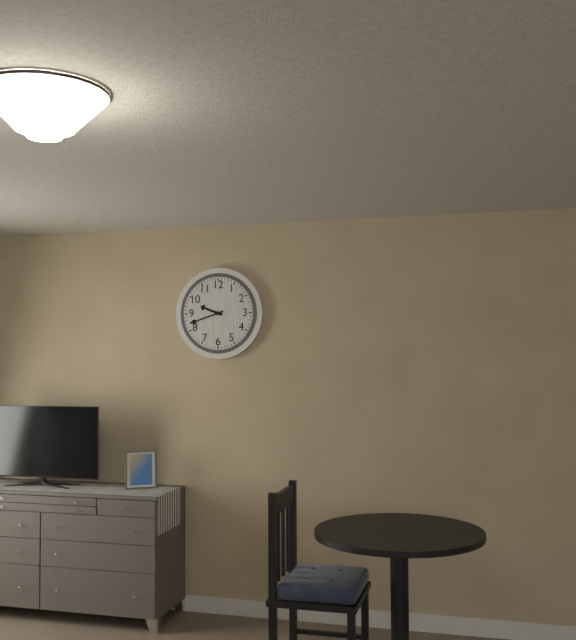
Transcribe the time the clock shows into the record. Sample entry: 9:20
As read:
9:42
